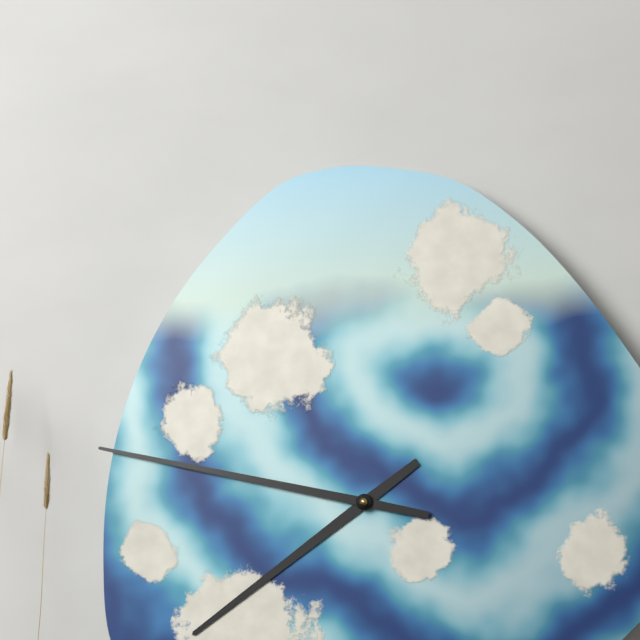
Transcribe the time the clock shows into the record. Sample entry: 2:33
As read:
7:47
